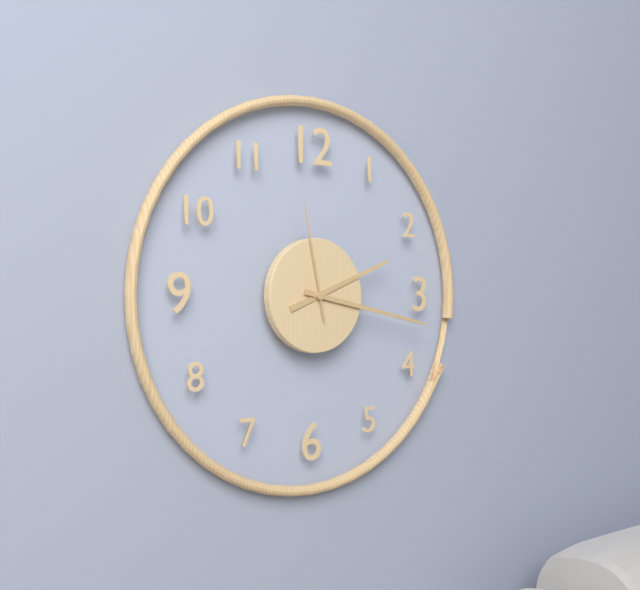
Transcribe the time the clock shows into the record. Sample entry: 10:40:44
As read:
2:17:58
